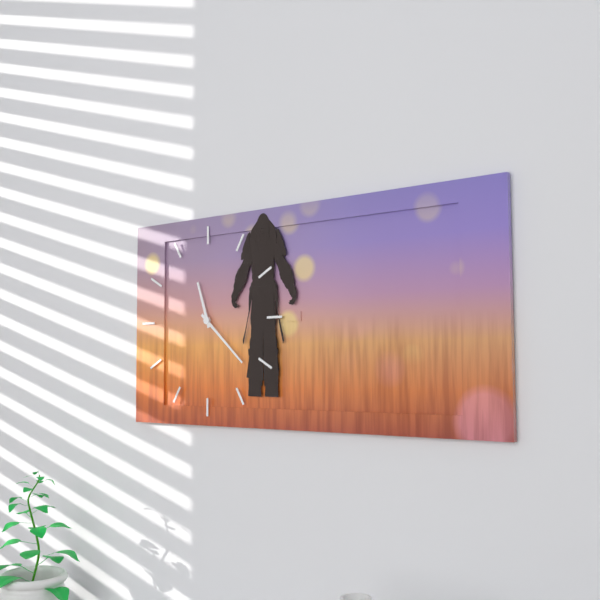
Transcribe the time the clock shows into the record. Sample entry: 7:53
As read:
11:22
